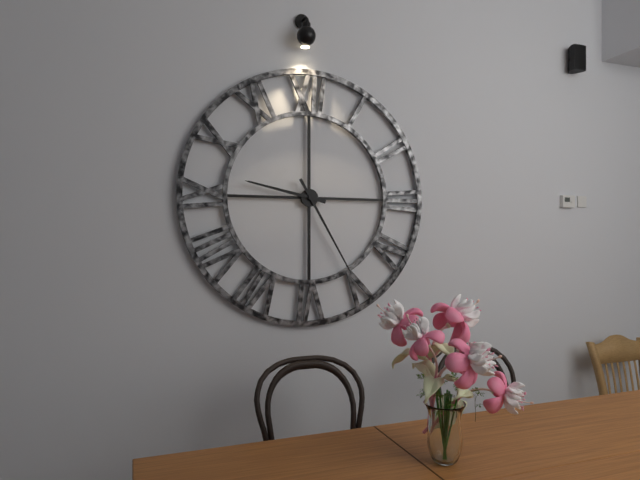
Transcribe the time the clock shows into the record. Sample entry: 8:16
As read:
9:25
